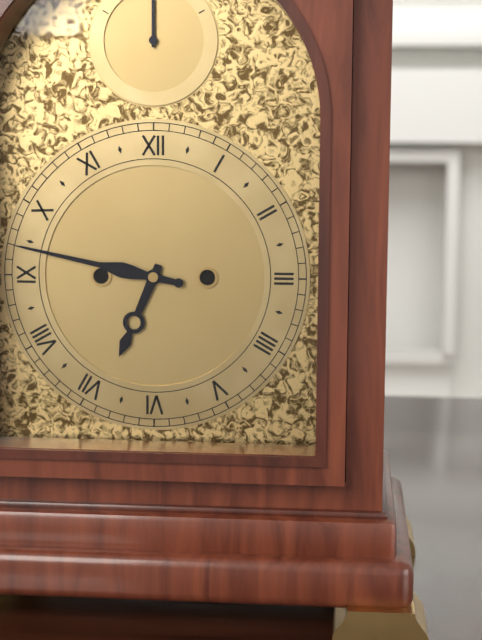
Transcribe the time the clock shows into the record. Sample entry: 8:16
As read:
6:47
